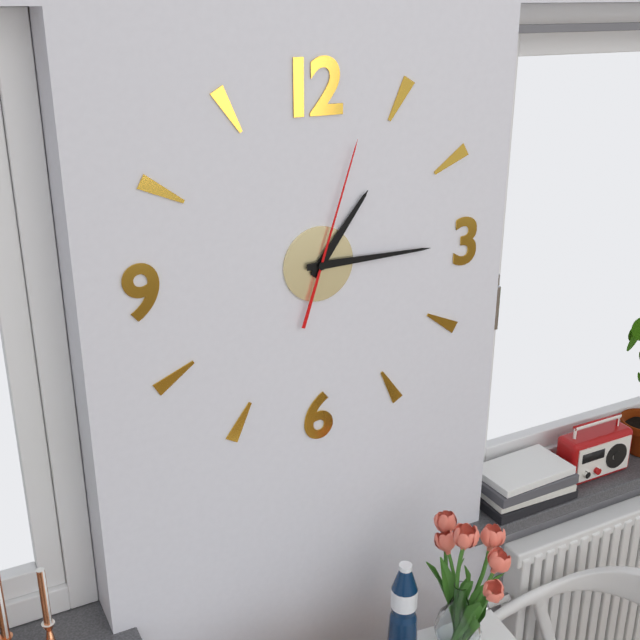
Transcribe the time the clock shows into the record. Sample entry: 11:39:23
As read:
1:15:03
